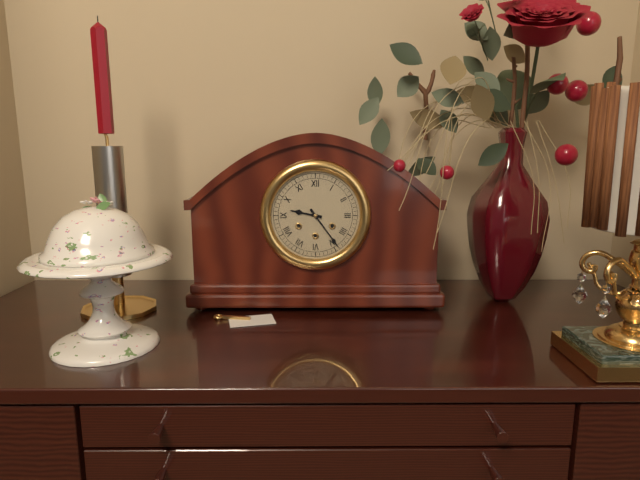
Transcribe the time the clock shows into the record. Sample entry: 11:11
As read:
9:24
